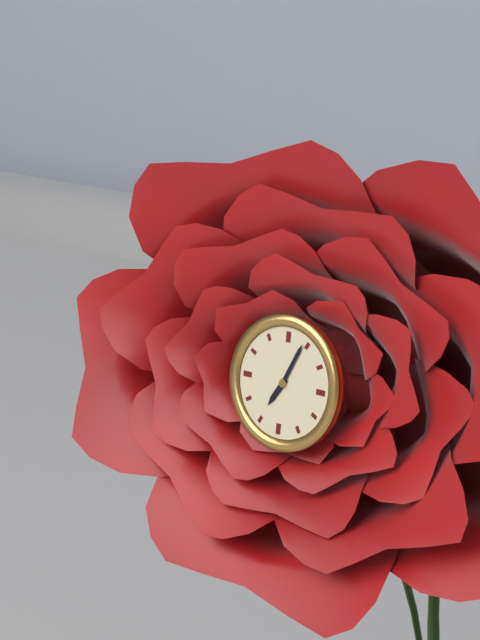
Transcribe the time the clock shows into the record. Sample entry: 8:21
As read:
7:04
